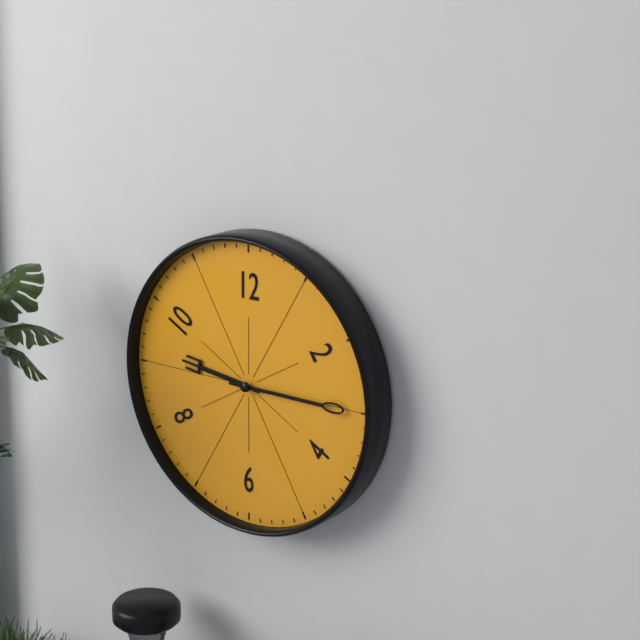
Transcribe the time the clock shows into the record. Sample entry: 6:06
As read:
9:15
